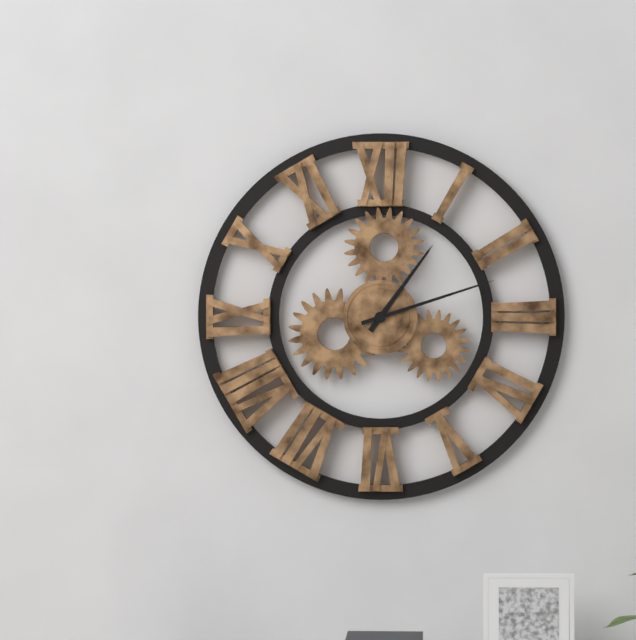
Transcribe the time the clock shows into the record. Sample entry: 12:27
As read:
1:12
